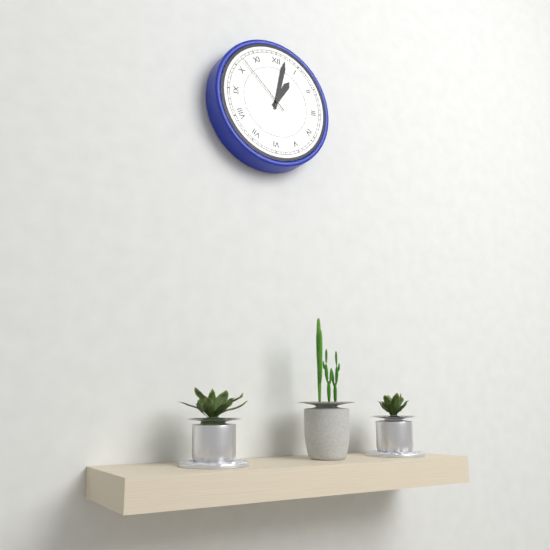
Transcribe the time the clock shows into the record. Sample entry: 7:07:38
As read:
1:02:52
